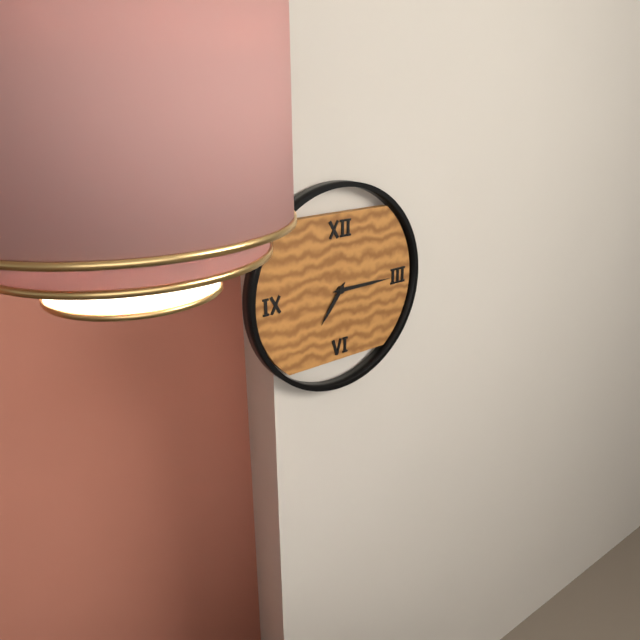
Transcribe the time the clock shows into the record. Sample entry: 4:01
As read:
7:15
